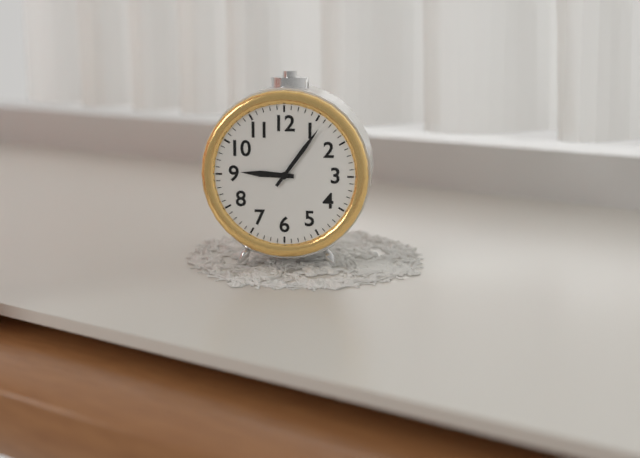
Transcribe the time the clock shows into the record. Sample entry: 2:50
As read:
9:06
